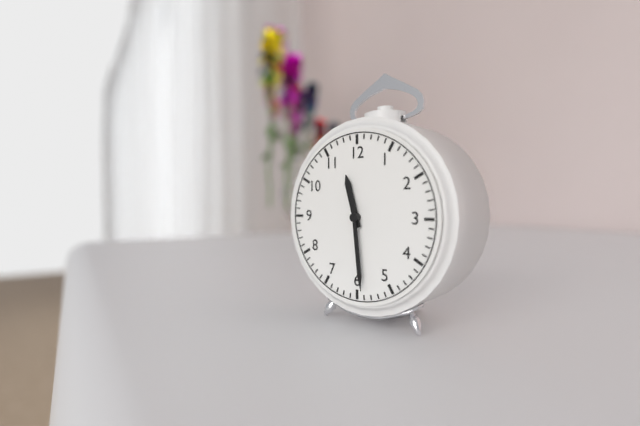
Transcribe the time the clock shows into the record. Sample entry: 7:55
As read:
11:29
